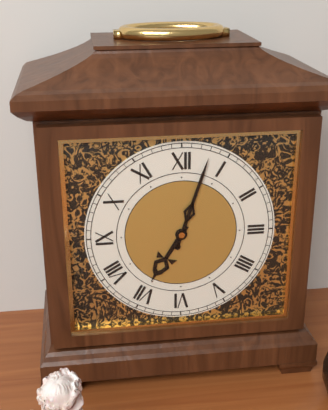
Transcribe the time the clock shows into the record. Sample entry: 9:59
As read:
7:03
